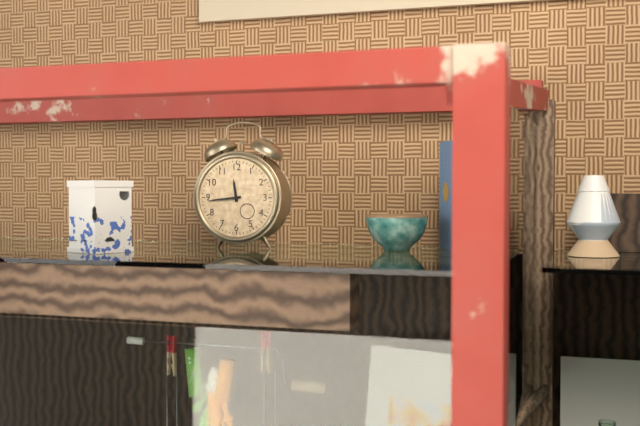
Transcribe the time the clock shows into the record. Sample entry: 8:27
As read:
11:44
